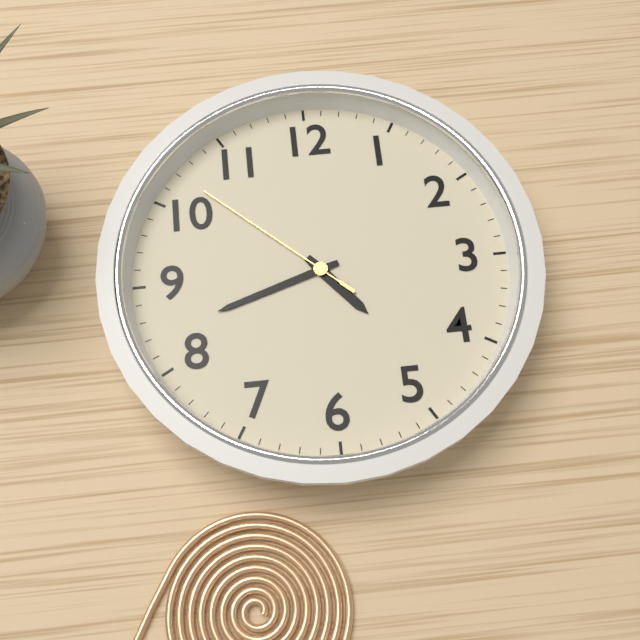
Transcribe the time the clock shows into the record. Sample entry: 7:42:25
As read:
4:42:52
